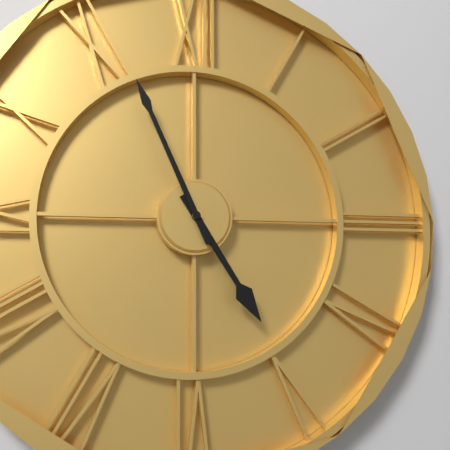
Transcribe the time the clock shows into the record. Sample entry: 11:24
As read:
4:56
